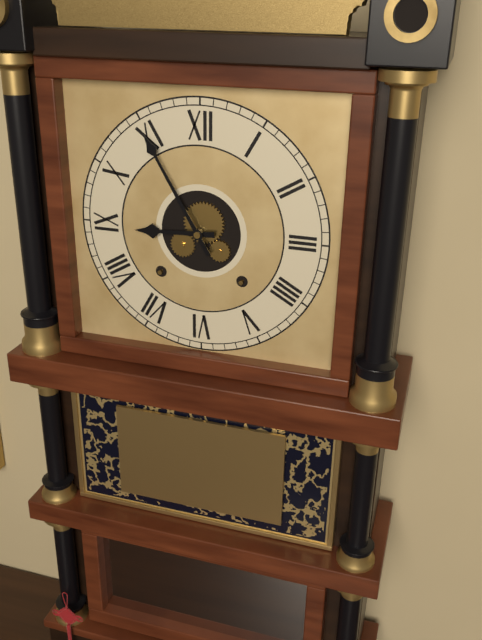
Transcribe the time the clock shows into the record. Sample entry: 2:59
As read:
8:55
